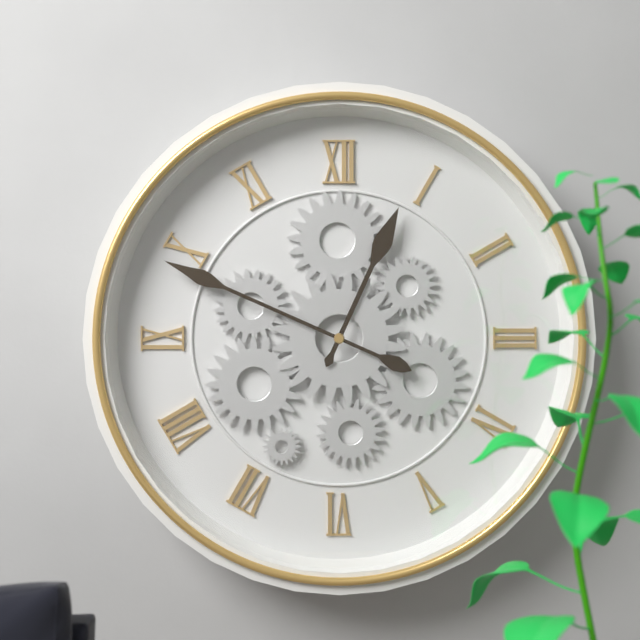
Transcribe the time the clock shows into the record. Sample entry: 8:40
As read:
12:49
